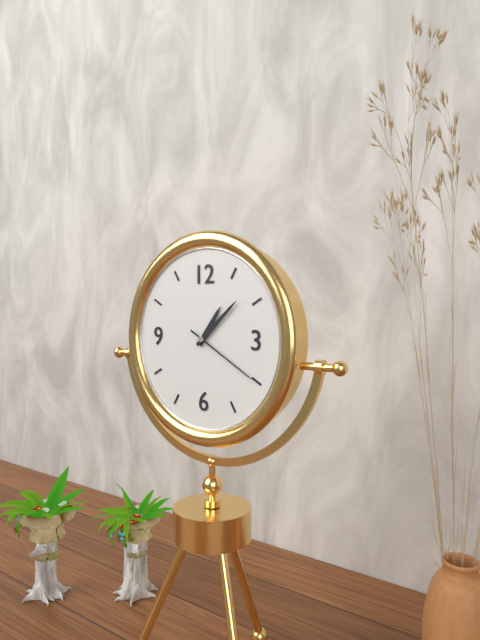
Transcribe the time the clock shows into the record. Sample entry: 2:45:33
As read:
1:08:20
